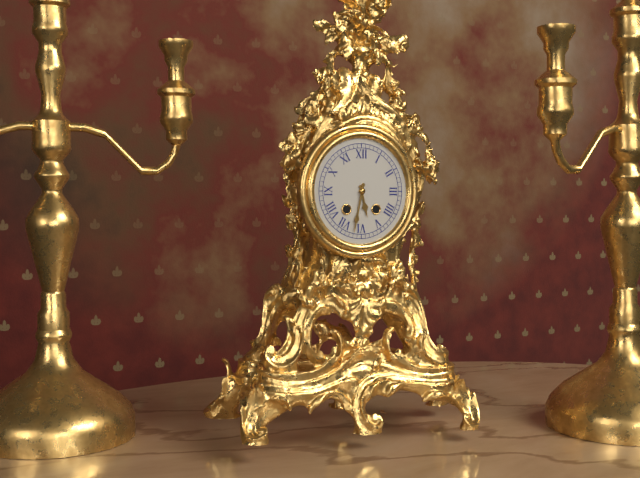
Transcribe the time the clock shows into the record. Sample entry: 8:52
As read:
5:32
